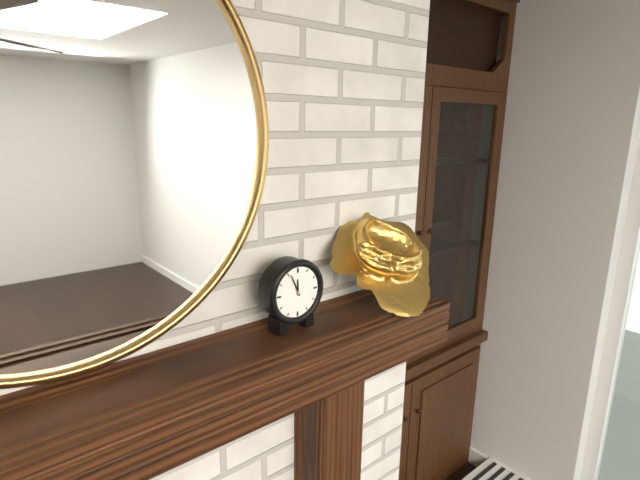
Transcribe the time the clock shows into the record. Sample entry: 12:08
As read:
11:56
